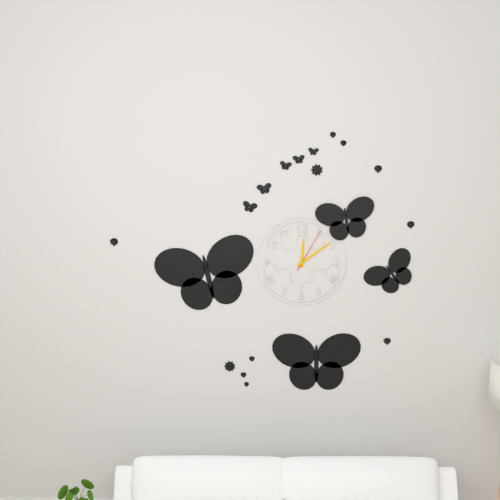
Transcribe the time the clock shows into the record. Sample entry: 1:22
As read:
12:09
